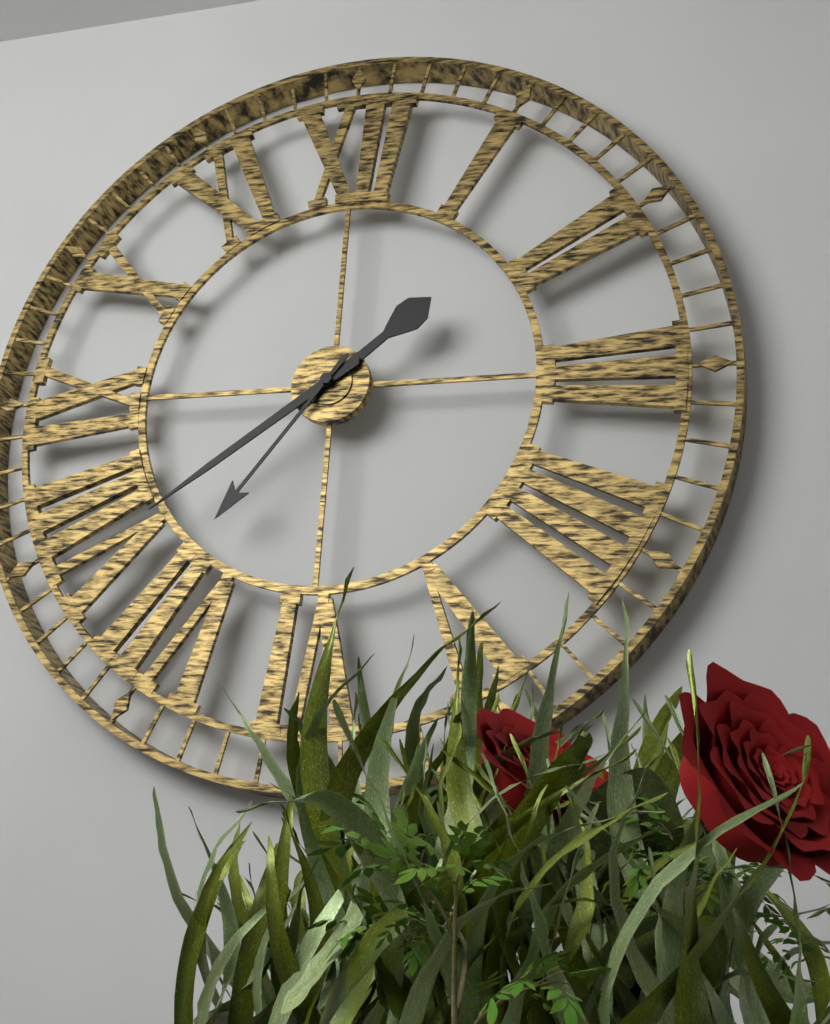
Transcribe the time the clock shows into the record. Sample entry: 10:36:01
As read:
1:39:36
